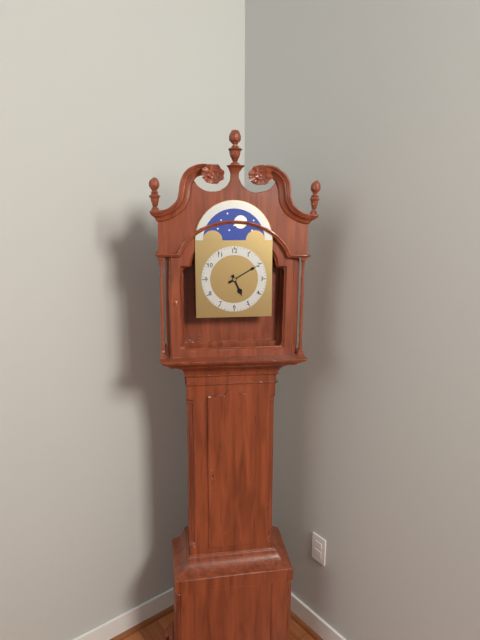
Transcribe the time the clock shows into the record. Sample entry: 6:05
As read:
5:10
